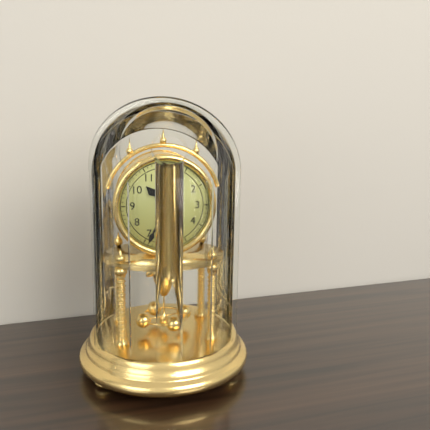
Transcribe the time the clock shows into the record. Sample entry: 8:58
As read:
10:34
